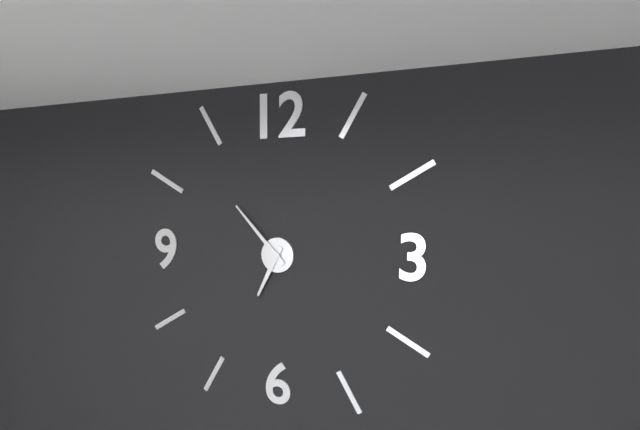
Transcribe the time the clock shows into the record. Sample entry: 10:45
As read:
6:53
